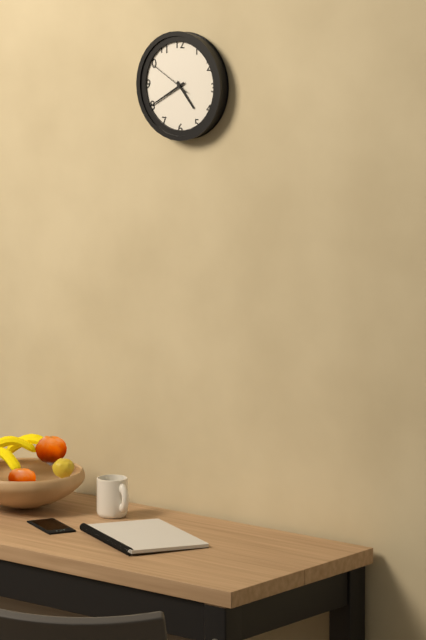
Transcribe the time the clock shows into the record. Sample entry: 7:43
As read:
4:40
